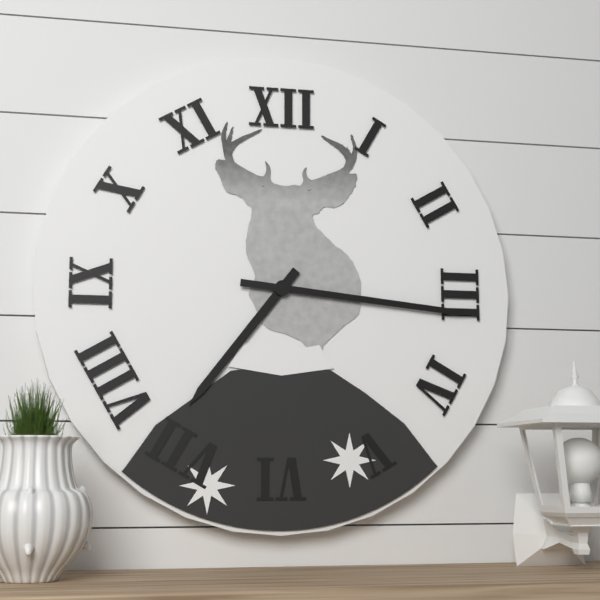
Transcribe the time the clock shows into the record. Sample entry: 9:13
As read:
7:16
